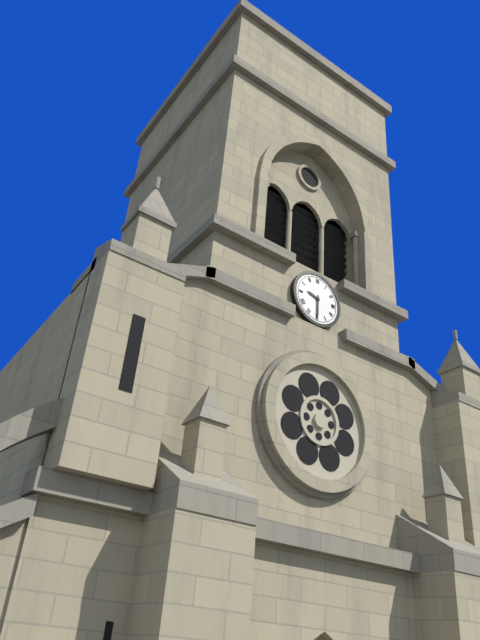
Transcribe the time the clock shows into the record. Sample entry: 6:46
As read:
9:30
